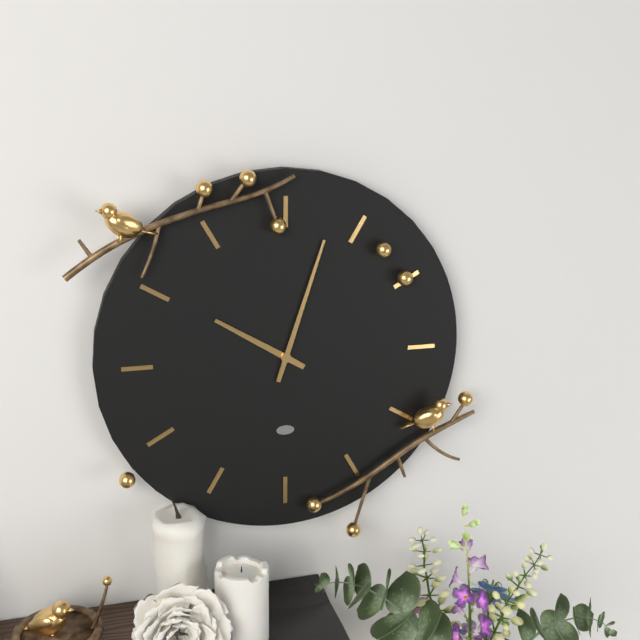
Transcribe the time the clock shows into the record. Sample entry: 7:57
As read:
10:03
